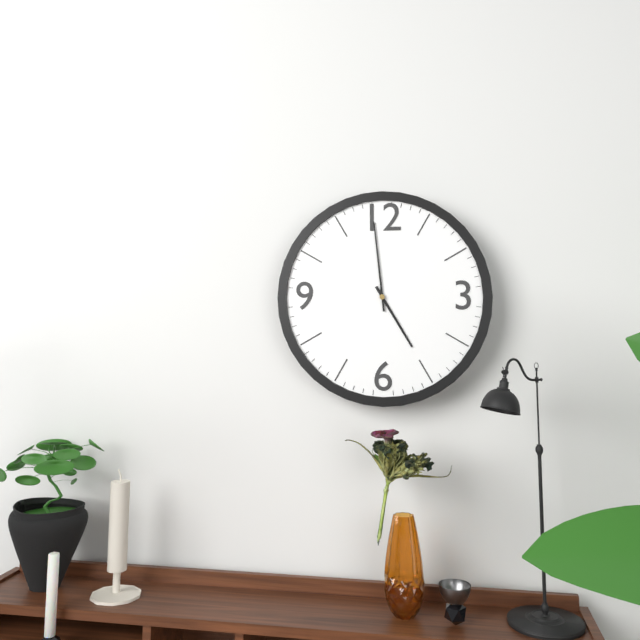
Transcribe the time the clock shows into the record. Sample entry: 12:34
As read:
4:59
